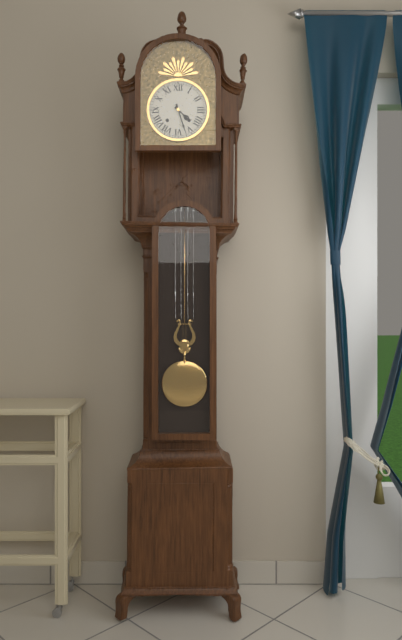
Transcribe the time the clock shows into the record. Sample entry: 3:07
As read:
4:27
